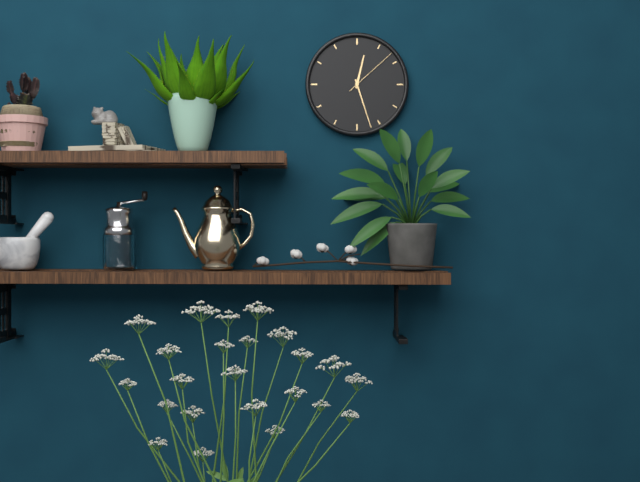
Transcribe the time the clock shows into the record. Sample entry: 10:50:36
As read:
12:27:08
